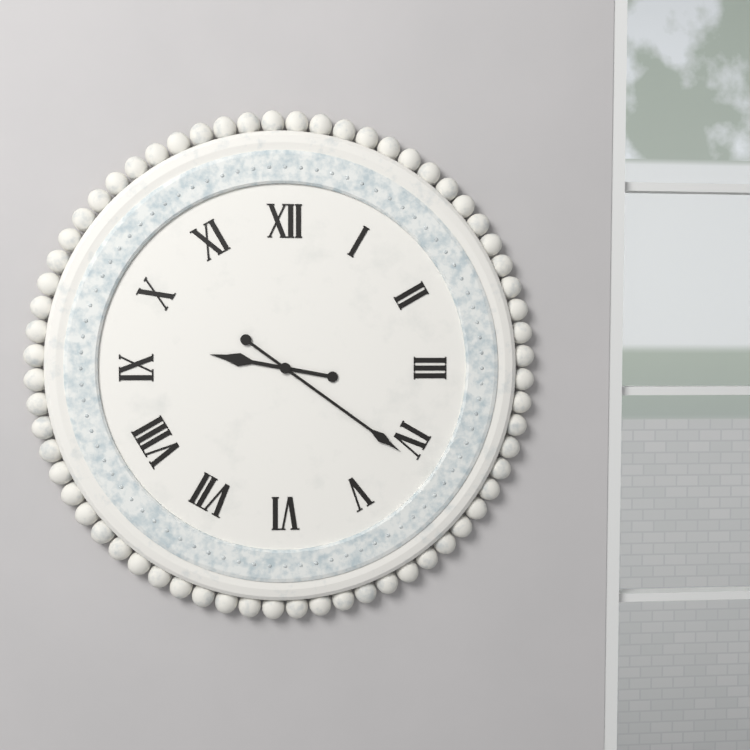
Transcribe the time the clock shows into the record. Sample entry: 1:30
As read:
9:21
